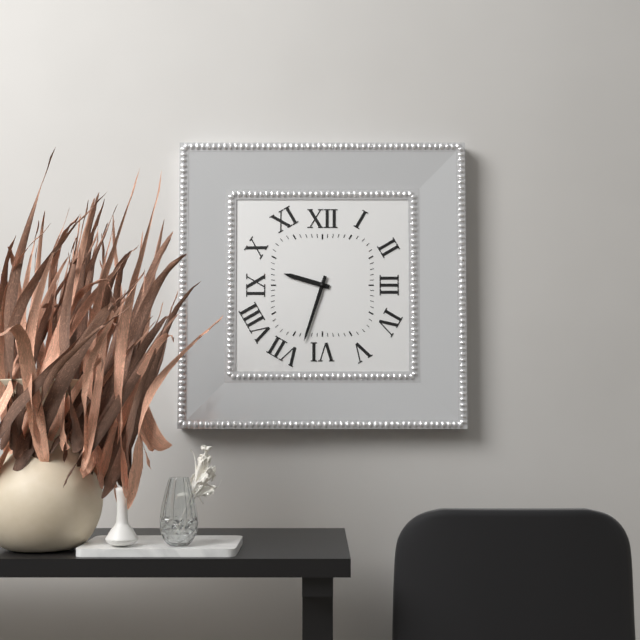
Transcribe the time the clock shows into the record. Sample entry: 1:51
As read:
9:33
